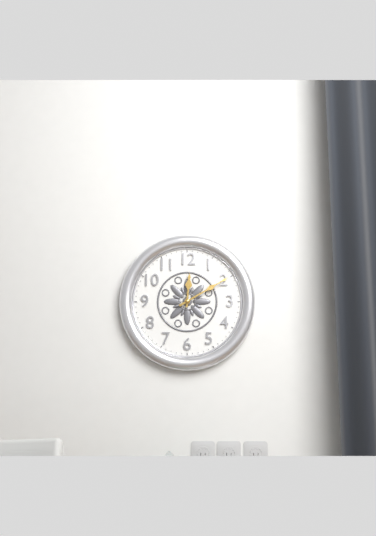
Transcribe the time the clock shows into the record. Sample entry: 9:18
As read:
12:10
